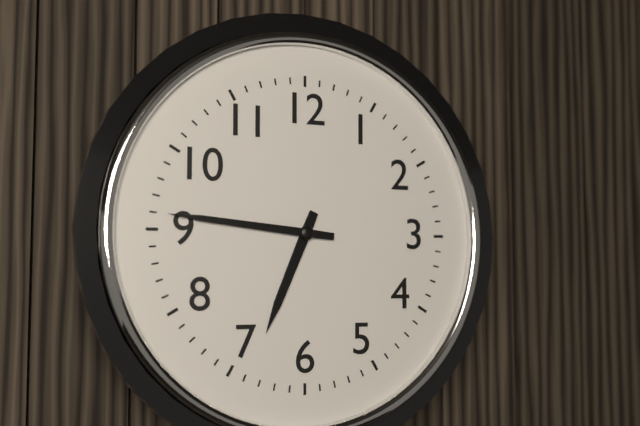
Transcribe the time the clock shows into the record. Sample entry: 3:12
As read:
6:46
